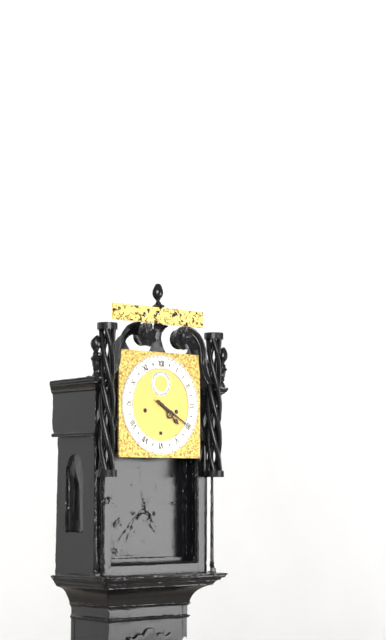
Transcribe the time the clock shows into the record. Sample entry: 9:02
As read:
4:20
